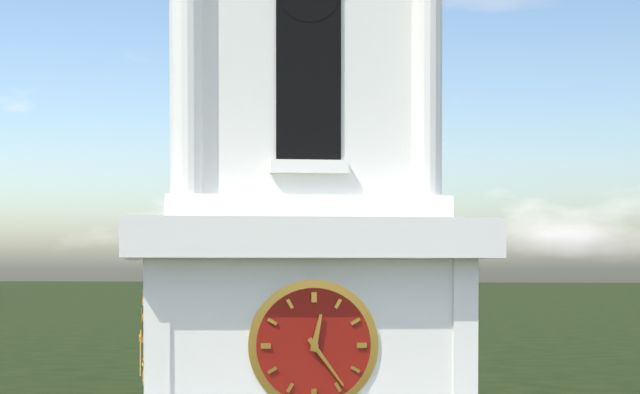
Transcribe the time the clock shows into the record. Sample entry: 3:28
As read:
12:24
